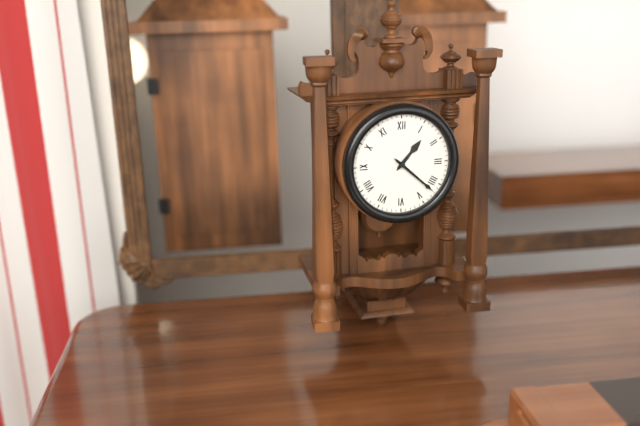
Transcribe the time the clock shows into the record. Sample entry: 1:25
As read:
1:22
